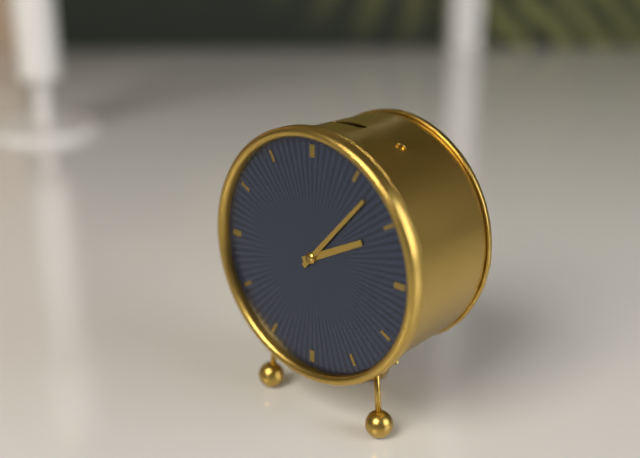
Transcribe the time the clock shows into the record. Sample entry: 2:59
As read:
2:07
